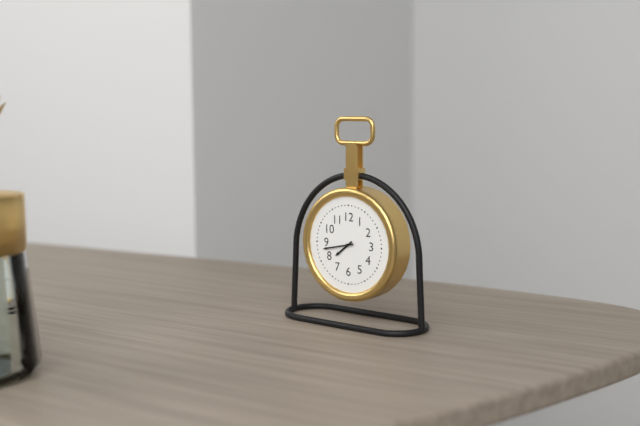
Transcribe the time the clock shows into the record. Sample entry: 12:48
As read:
7:43
